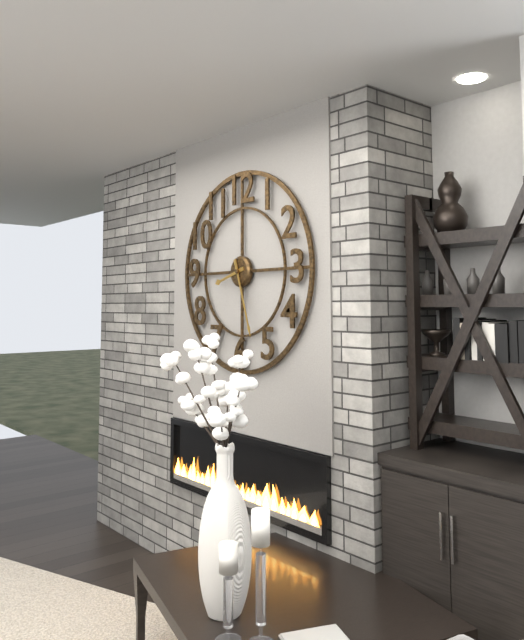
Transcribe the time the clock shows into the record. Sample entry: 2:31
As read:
8:27
